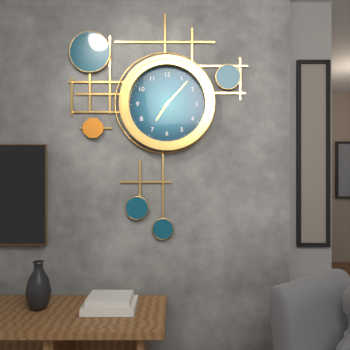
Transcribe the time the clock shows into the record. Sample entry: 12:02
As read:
7:07
